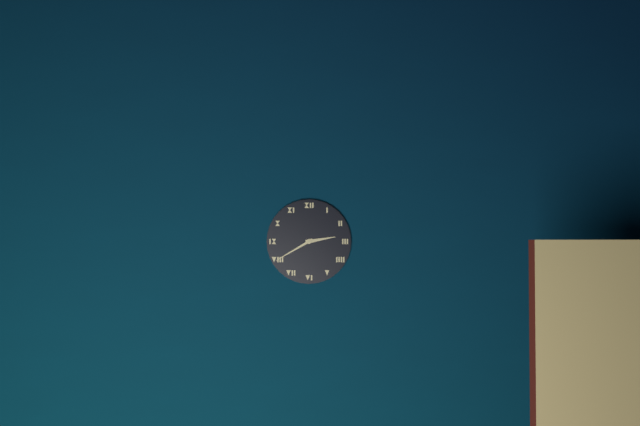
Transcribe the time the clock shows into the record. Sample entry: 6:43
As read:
2:40
